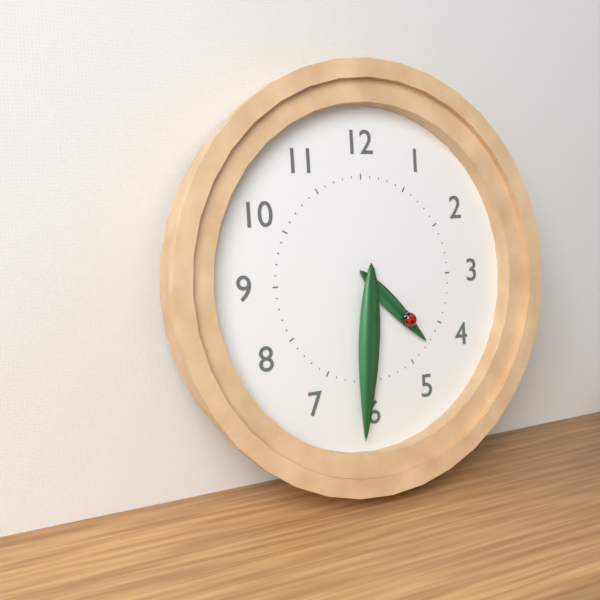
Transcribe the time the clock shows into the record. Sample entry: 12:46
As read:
4:31
